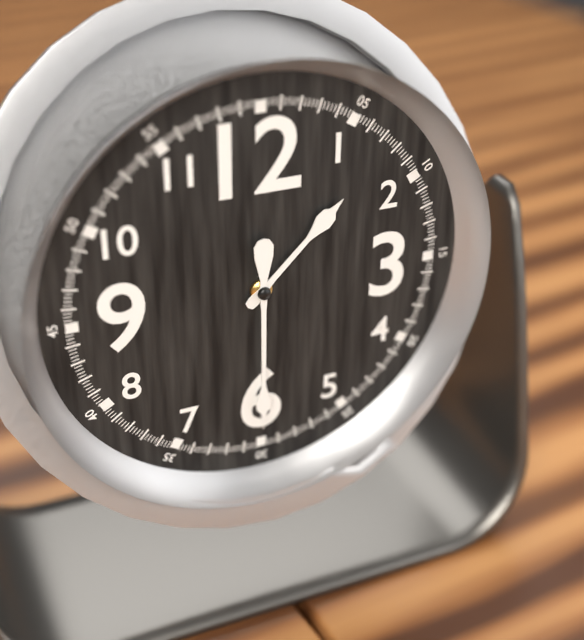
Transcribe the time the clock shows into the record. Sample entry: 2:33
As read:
1:30
